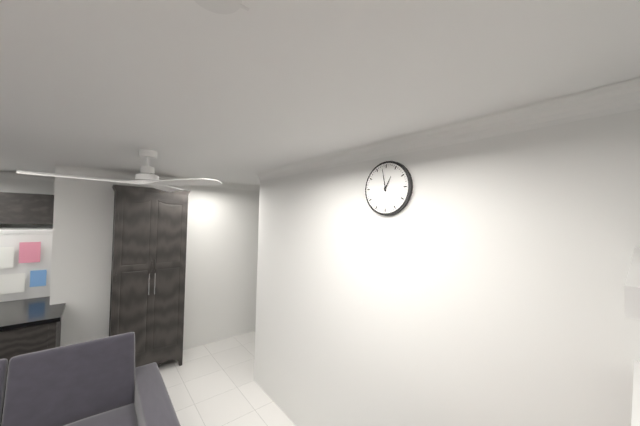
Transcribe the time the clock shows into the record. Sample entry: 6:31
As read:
12:58
